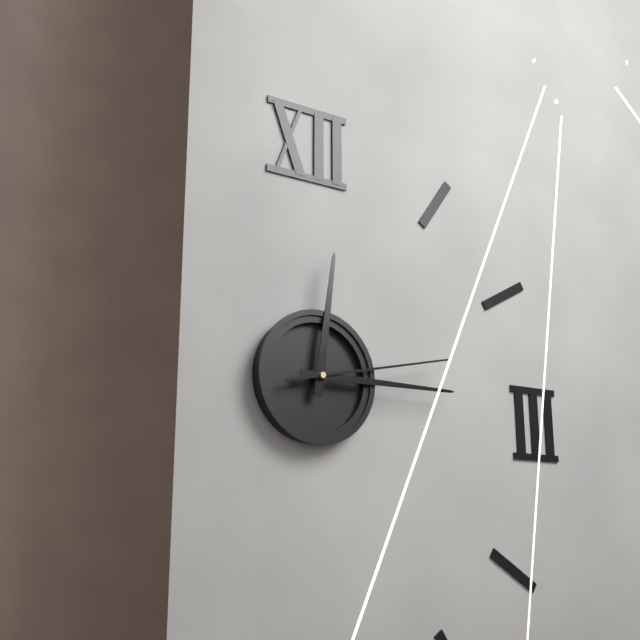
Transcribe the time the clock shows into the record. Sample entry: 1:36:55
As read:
12:15:13
